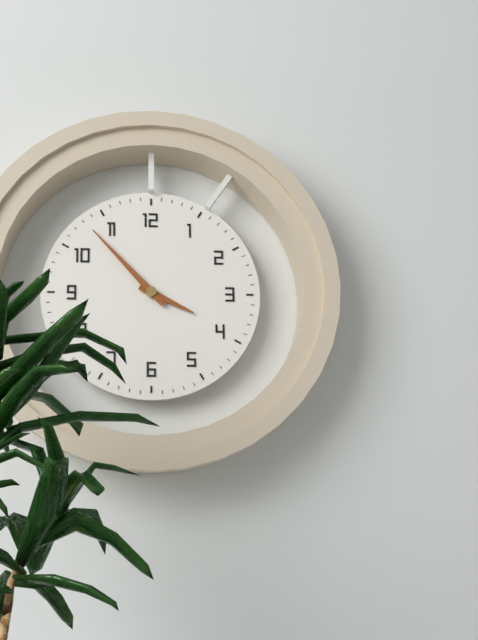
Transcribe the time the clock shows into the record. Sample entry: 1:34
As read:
3:53
